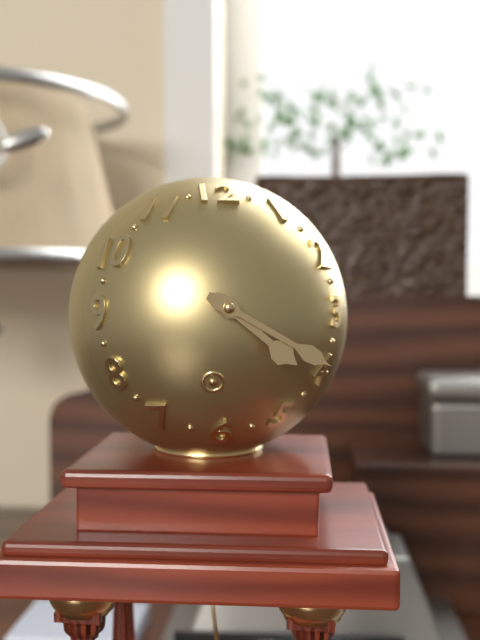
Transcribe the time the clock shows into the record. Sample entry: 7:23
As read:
4:20
